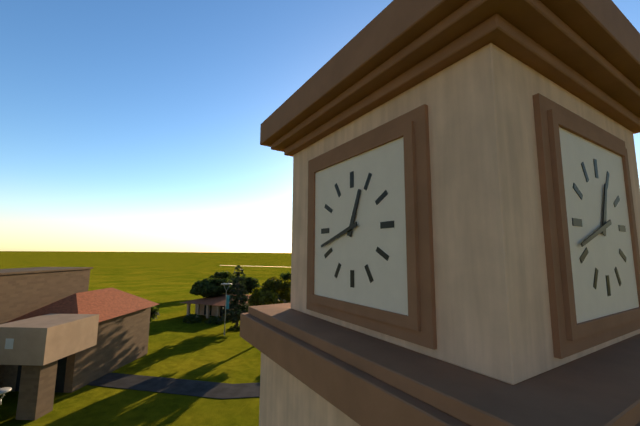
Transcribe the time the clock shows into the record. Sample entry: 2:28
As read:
12:42
